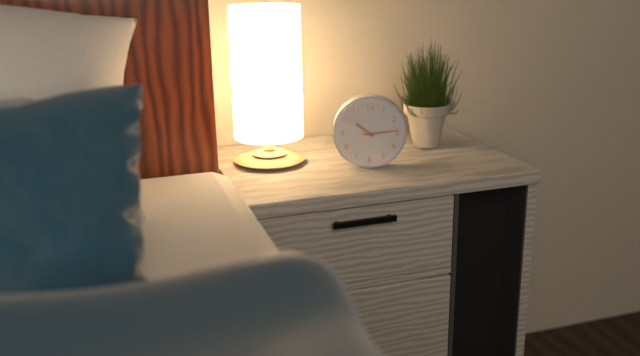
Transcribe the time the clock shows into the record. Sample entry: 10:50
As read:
10:14
